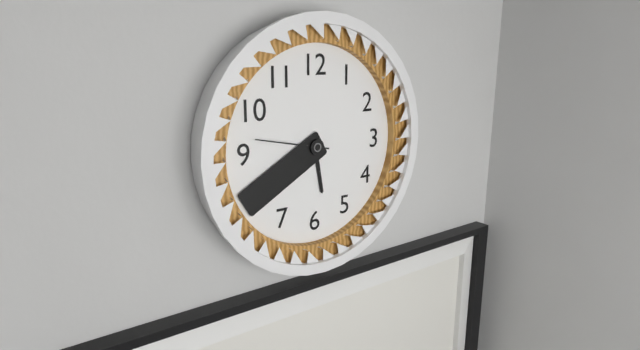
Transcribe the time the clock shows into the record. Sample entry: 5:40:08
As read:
5:40:47
